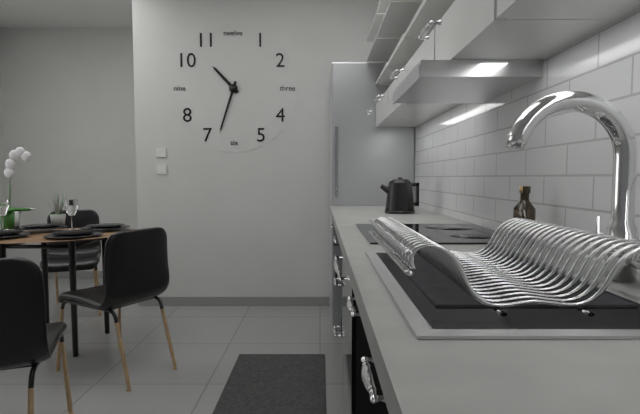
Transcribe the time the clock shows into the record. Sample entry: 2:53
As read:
10:33
